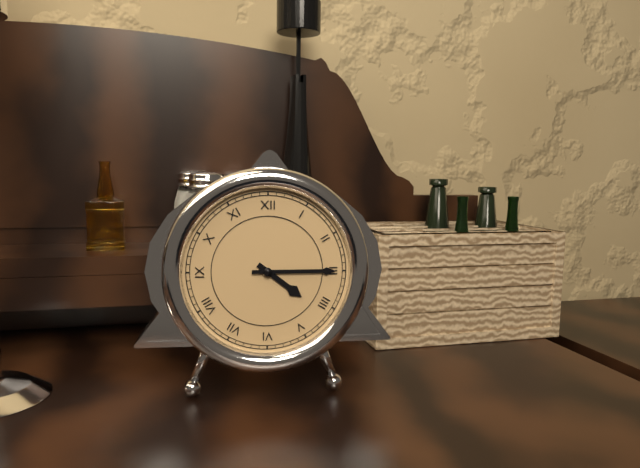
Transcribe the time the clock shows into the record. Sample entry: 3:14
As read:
4:15
